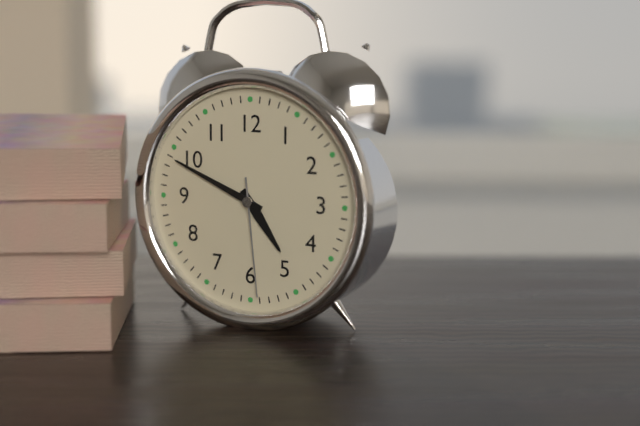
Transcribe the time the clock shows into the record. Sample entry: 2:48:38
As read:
4:49:29
